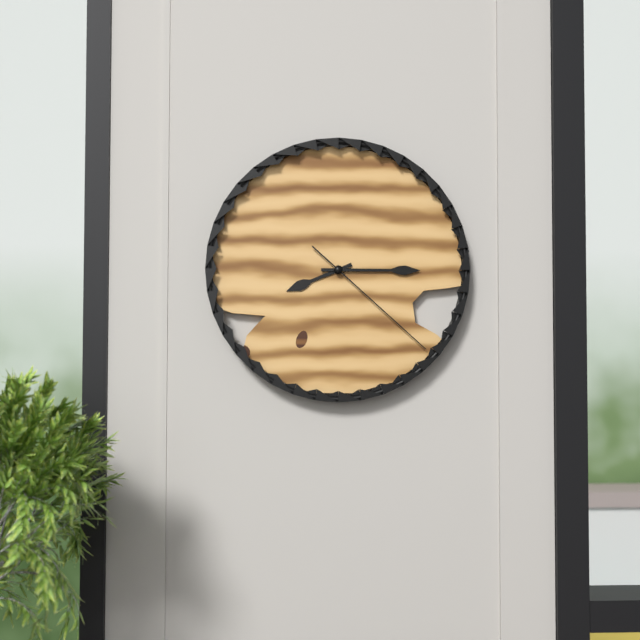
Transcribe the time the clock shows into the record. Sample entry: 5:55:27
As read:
8:15:22
